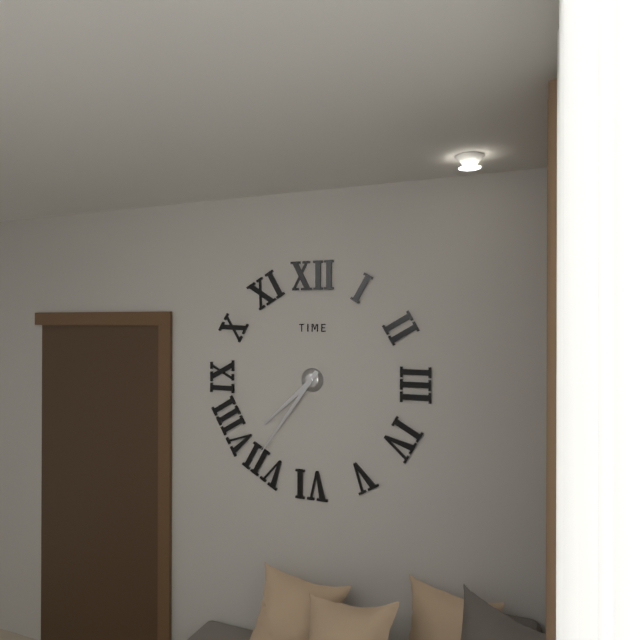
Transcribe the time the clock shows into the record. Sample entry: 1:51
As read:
7:36
